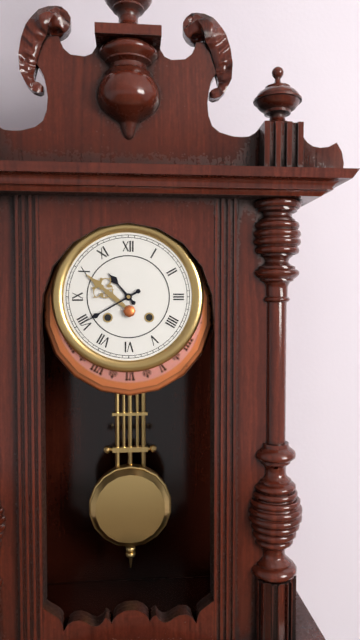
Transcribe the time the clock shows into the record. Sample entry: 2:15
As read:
10:40
